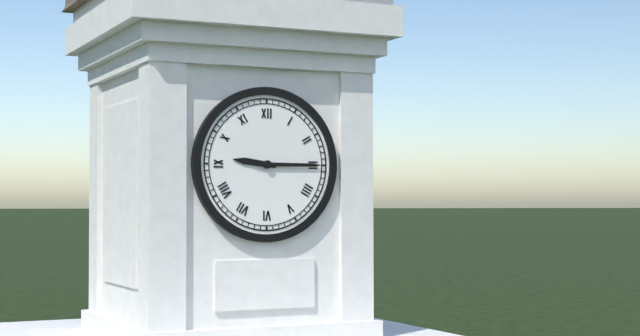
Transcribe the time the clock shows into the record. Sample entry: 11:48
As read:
9:15
